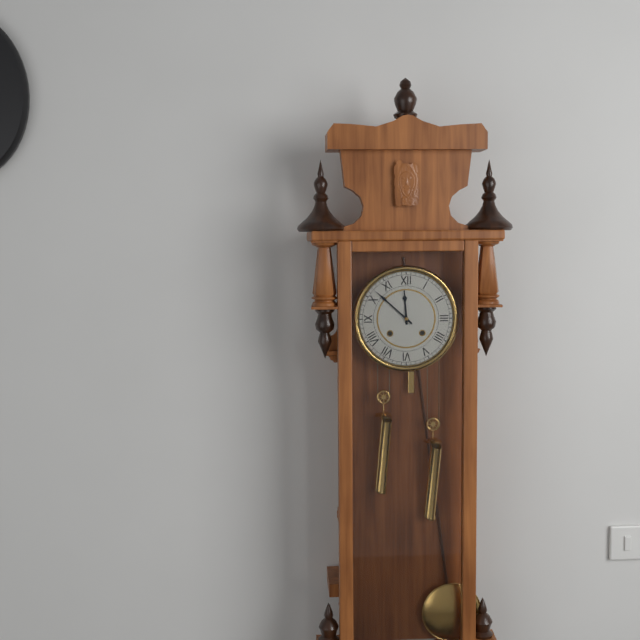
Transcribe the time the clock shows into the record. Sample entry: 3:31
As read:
11:52
